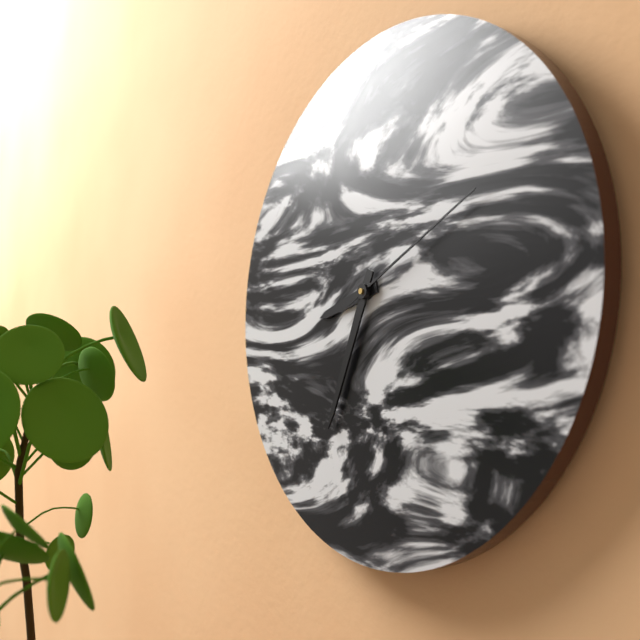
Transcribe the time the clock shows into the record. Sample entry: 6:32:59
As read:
8:34:11
